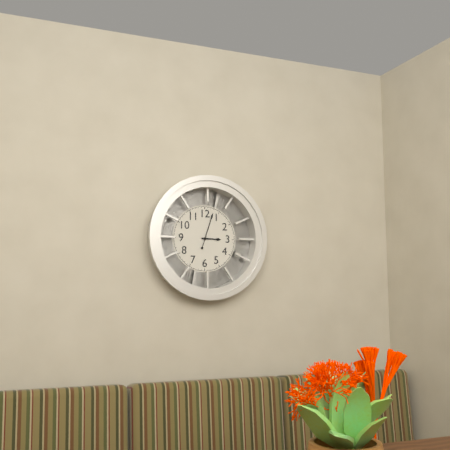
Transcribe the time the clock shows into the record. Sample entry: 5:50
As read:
3:03
